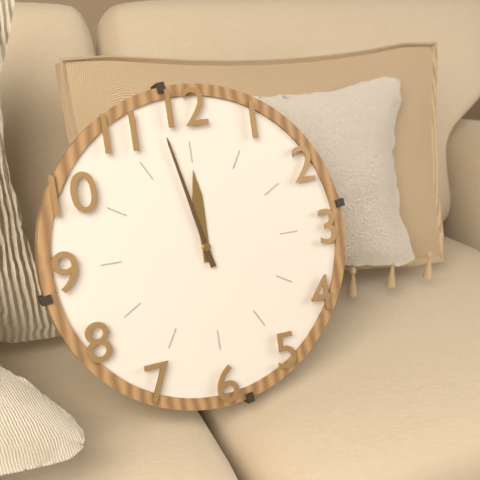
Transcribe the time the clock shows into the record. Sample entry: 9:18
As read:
11:58
